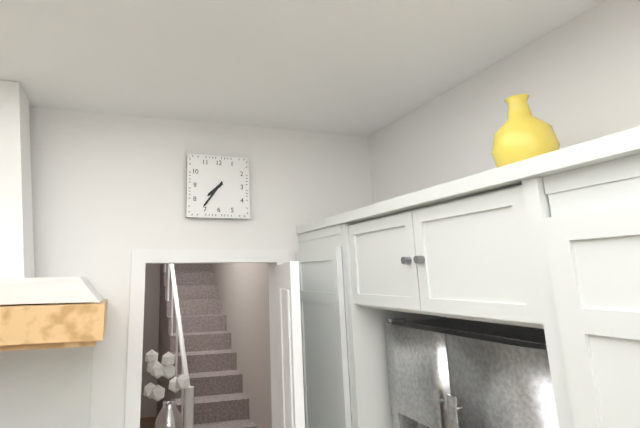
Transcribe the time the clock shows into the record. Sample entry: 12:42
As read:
7:36
